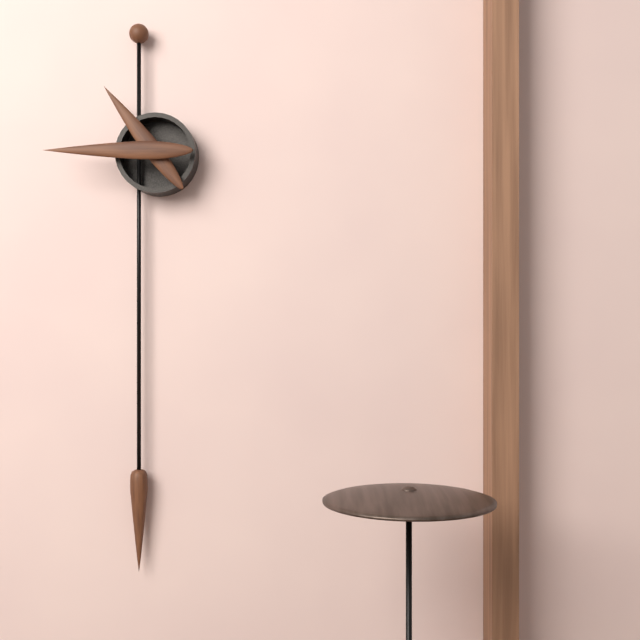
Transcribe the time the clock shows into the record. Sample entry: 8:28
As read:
10:45
